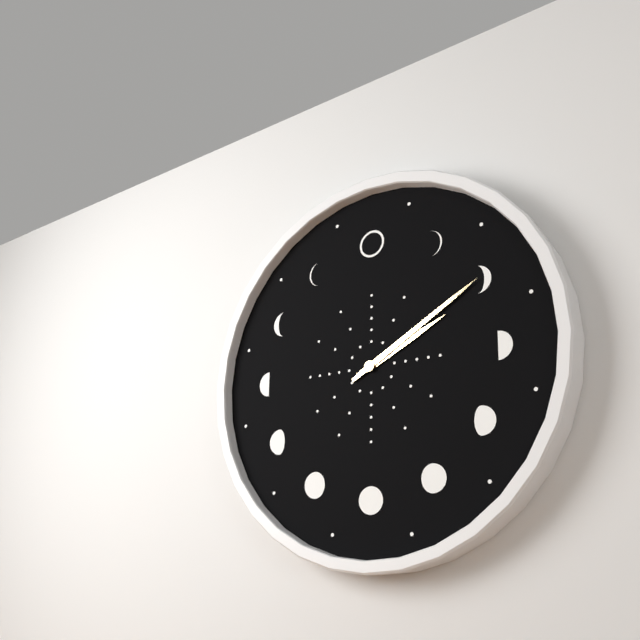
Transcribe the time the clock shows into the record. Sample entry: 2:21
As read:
2:10
